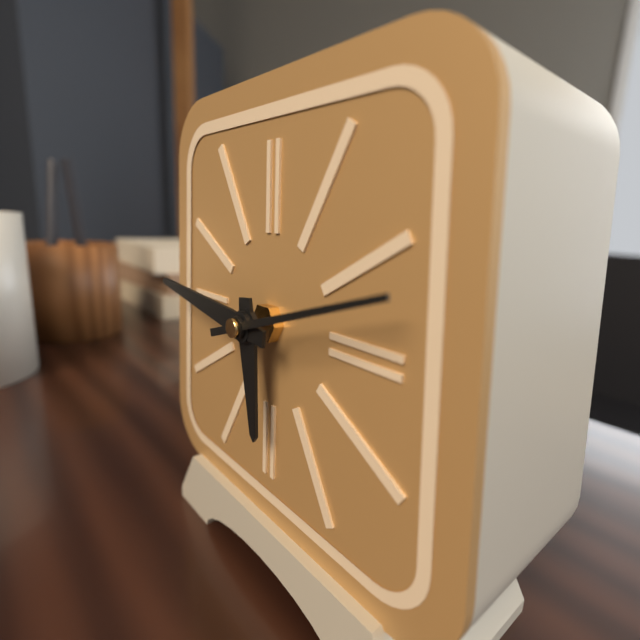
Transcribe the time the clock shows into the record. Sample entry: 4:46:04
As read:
5:46:12
